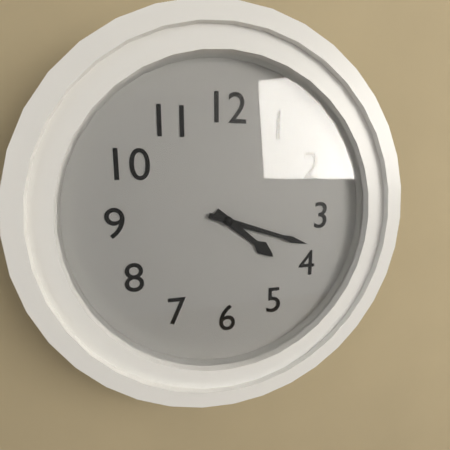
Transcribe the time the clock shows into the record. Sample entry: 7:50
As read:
4:18
